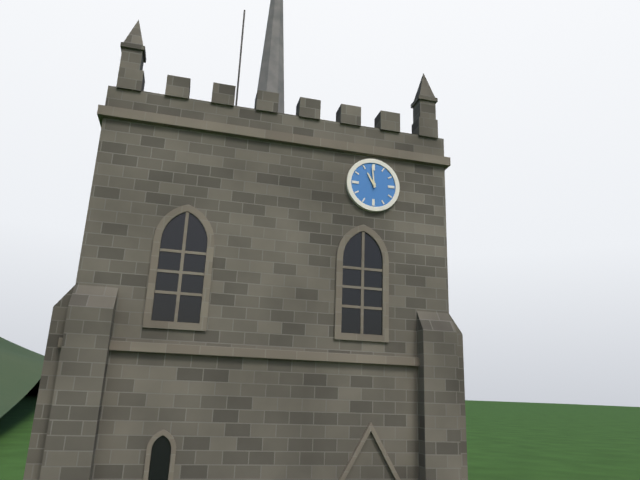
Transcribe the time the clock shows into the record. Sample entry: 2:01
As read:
10:59
